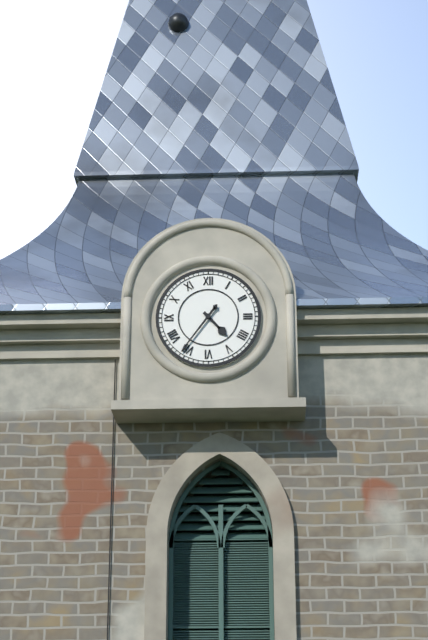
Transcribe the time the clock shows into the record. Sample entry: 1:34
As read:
4:36
